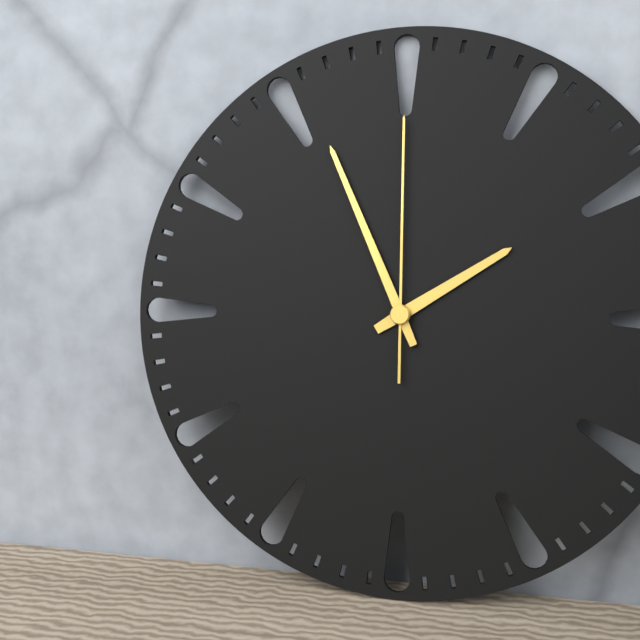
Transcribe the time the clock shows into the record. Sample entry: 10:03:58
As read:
1:56:00
